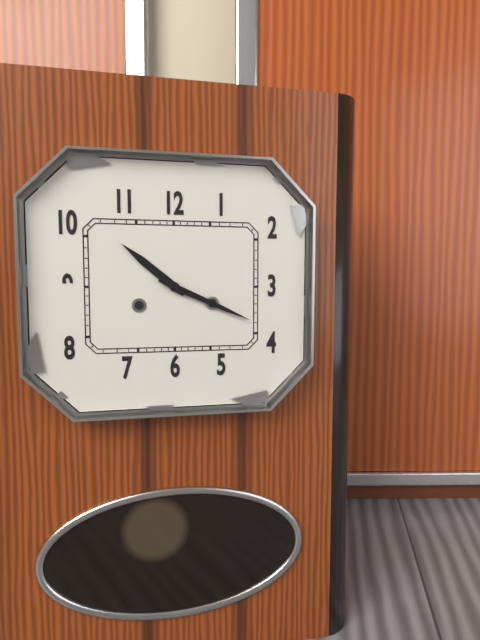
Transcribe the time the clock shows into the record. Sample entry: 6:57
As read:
10:19
